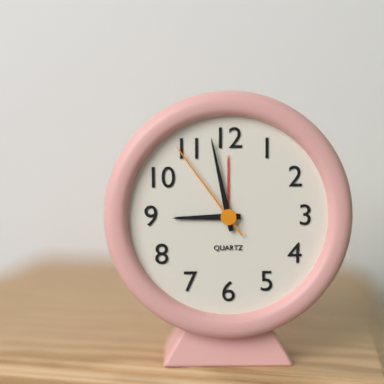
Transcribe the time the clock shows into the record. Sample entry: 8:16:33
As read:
8:58:54
